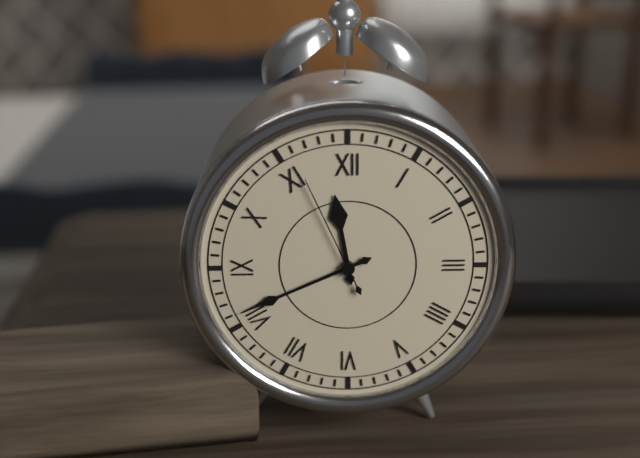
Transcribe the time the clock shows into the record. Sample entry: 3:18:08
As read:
11:41:56
